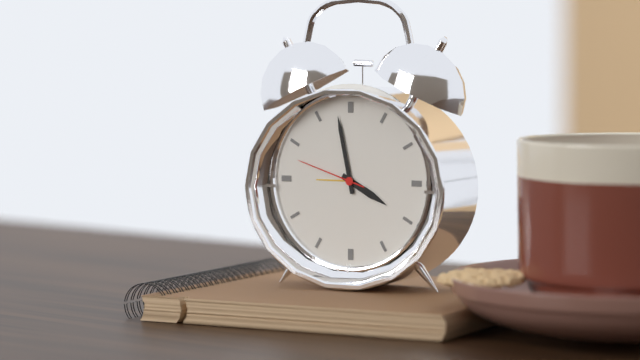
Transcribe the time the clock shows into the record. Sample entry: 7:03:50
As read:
3:58:48
